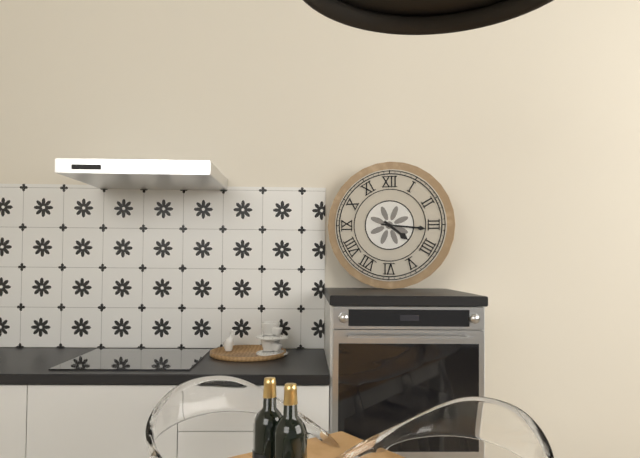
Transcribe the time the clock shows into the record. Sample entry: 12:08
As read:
4:16
